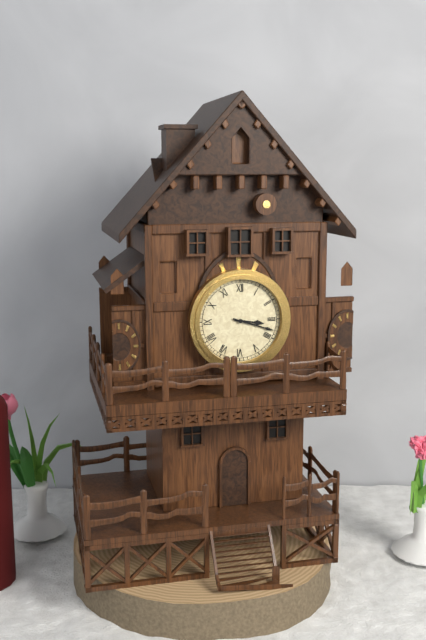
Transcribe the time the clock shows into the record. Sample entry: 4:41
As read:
3:18
